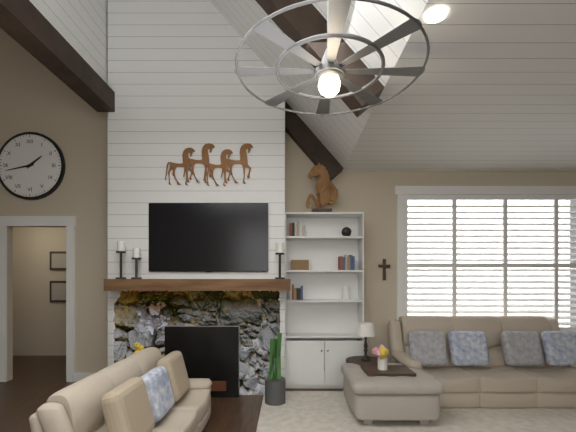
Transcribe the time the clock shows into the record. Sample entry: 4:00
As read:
1:43
